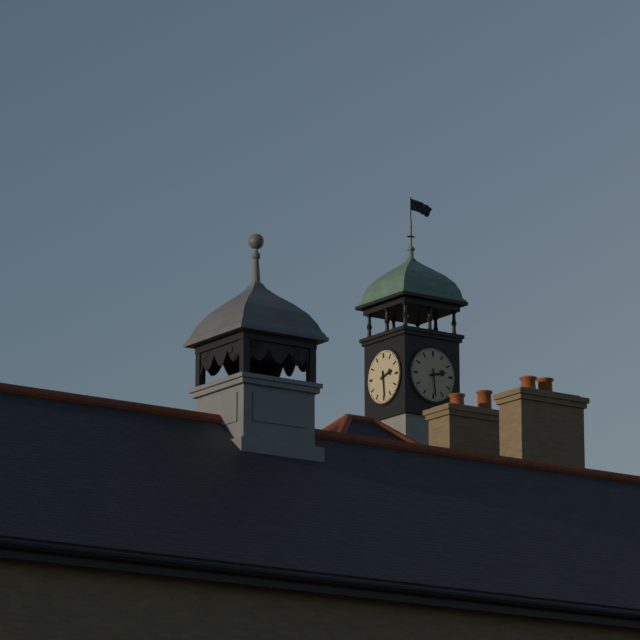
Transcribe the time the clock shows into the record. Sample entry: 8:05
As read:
2:29
